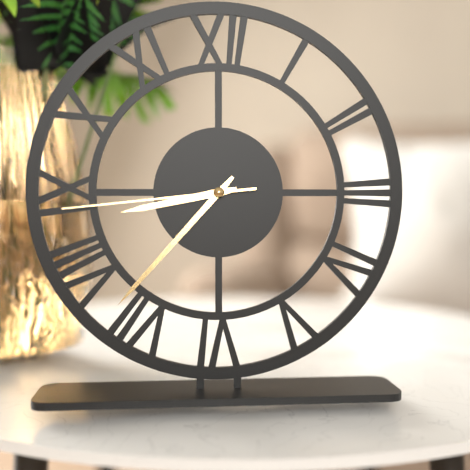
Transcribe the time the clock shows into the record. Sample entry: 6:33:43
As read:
8:37:44
